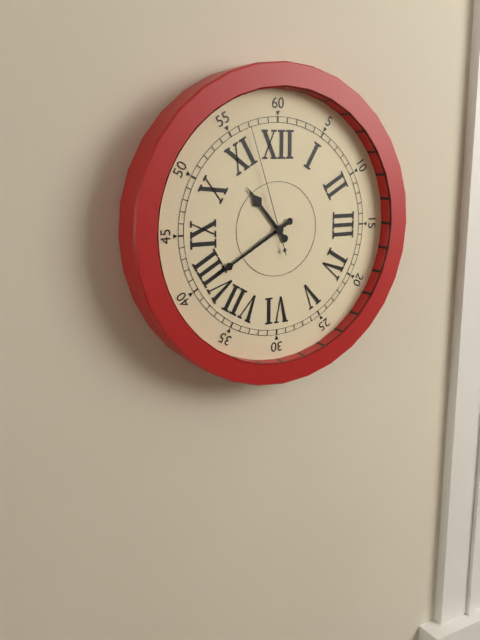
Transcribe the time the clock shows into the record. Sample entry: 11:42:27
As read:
10:40:57
